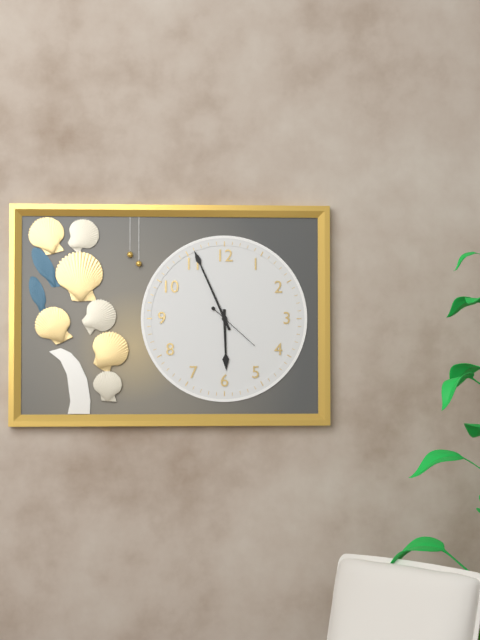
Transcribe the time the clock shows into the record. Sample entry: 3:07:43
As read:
5:56:22
